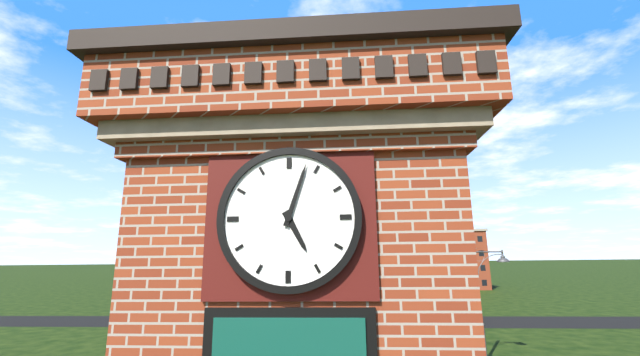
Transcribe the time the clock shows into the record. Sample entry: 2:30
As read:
5:03
